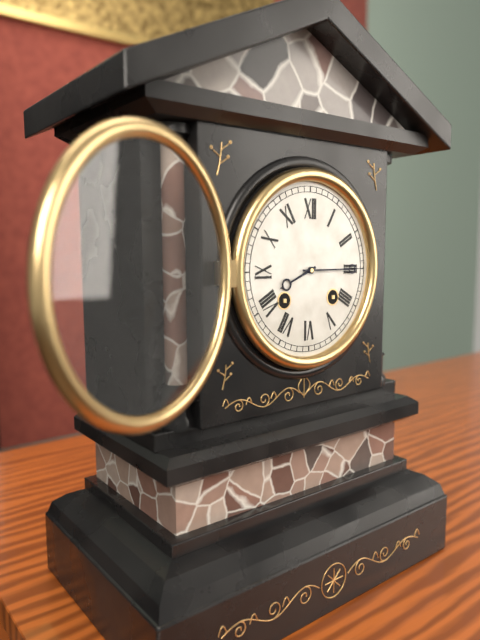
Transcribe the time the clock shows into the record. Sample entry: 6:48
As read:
8:15
